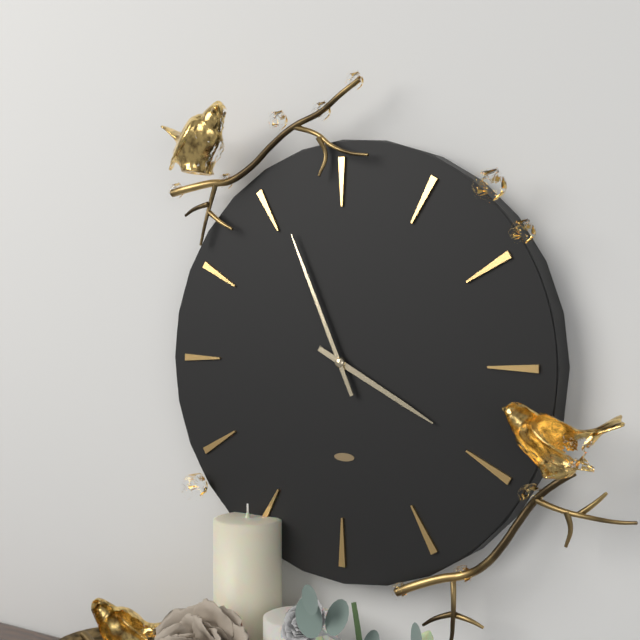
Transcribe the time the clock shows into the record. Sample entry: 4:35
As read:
3:56
